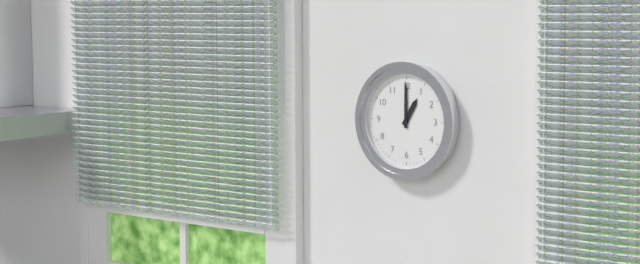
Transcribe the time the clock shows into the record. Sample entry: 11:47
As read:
1:00
